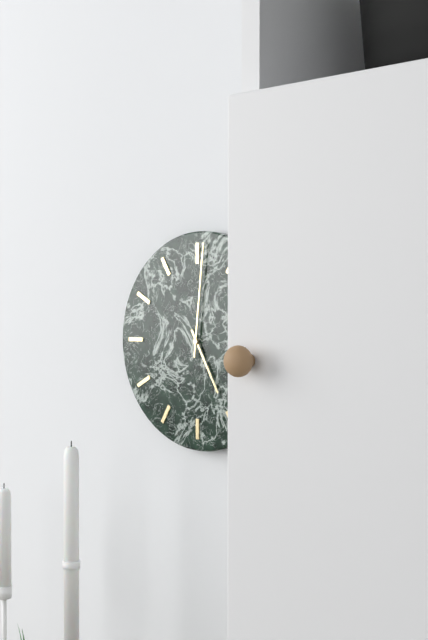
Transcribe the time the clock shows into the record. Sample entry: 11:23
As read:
5:01
